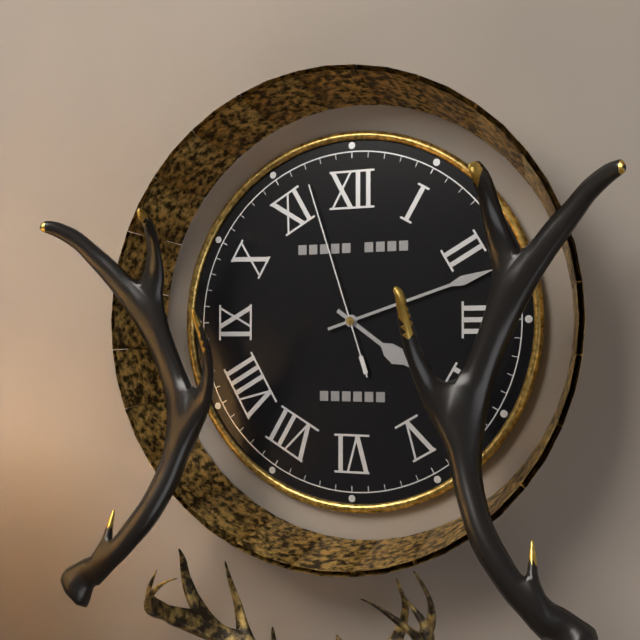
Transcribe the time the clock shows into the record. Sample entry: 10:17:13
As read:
4:12:57
